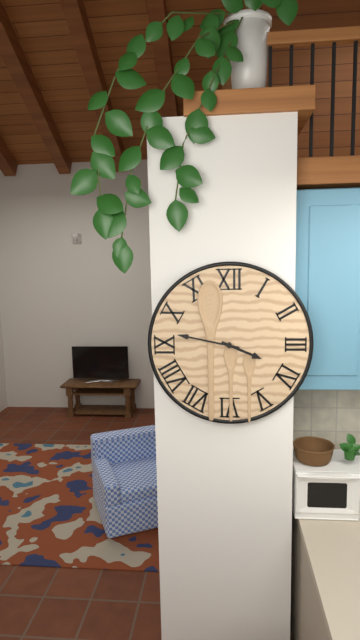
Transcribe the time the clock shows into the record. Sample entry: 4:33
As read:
3:47
